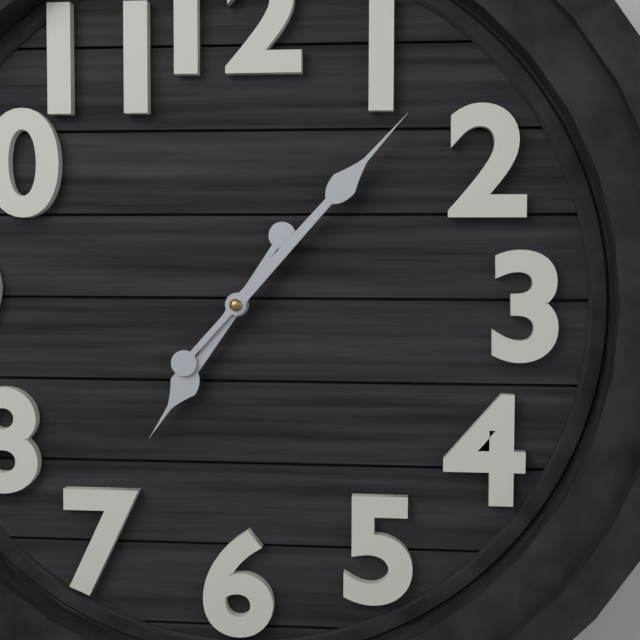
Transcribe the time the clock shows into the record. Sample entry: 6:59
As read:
7:07
